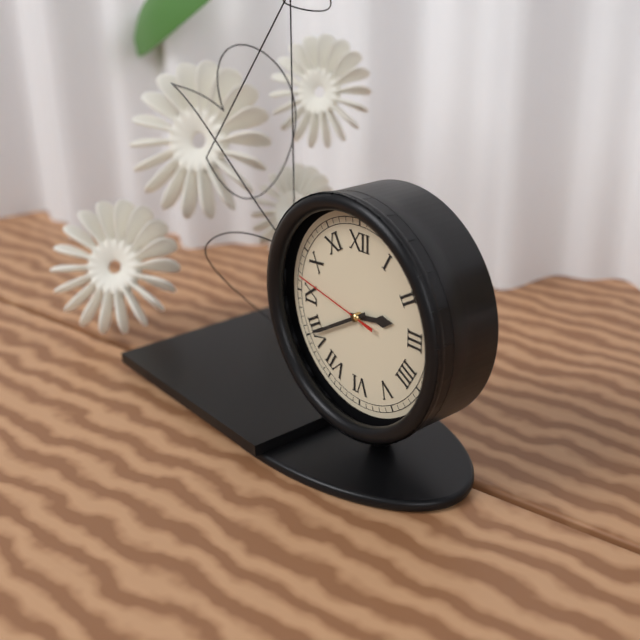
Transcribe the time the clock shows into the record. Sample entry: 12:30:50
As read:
2:40:47
